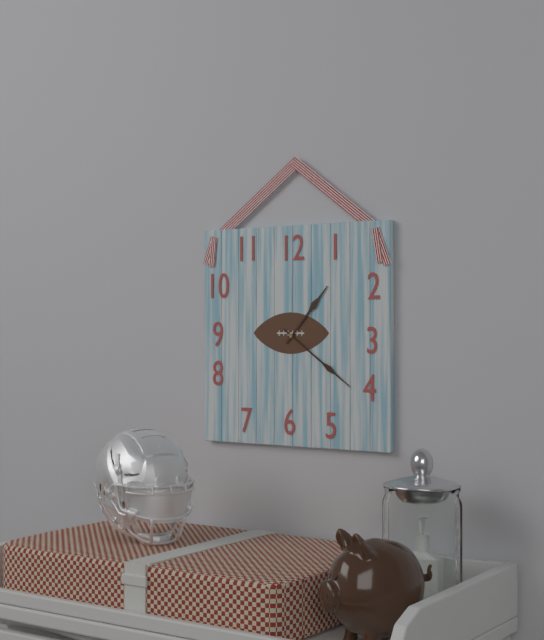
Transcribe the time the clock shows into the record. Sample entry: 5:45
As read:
1:21
